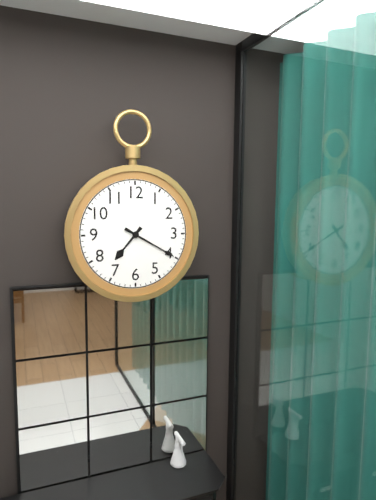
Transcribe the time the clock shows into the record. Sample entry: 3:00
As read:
7:20
